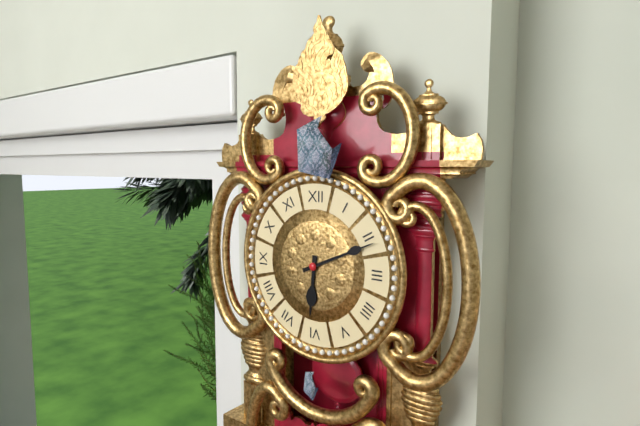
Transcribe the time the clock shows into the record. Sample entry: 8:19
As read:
6:11
